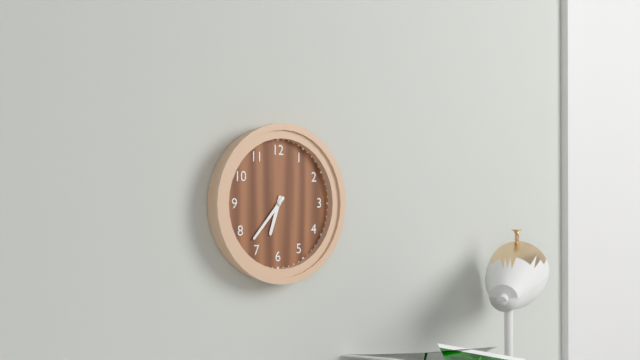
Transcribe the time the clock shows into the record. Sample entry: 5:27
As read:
6:37
